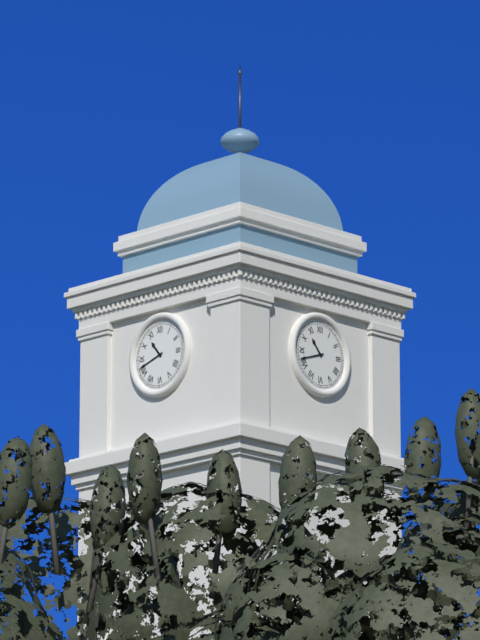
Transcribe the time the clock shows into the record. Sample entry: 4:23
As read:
10:42
